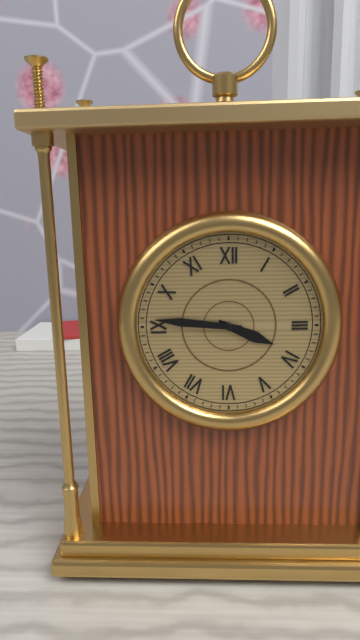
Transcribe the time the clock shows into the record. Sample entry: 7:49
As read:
3:46
